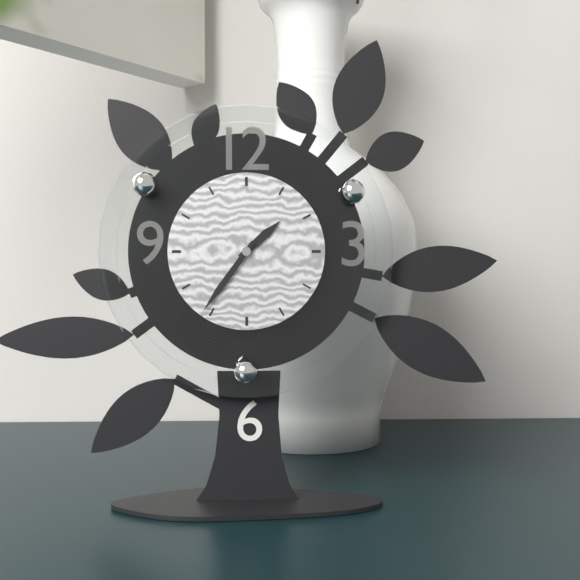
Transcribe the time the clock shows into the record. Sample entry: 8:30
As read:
1:36
